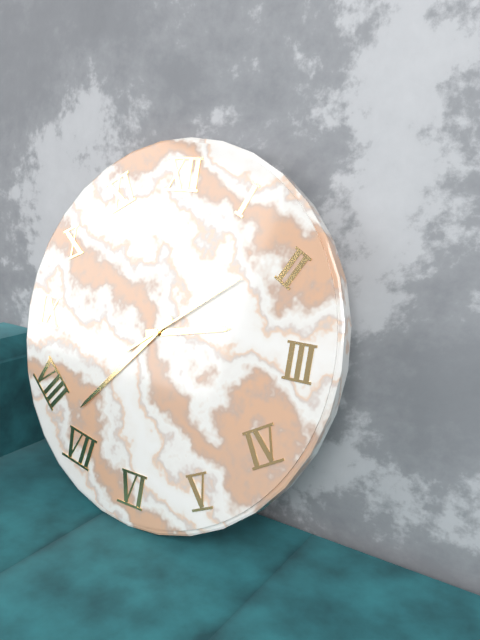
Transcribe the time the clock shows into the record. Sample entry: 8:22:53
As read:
2:37:09
